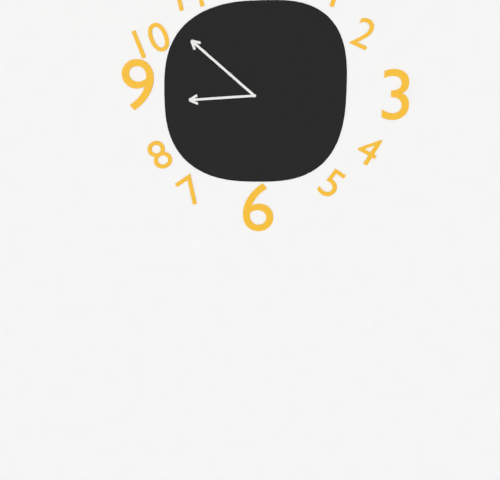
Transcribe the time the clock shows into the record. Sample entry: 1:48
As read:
8:52
